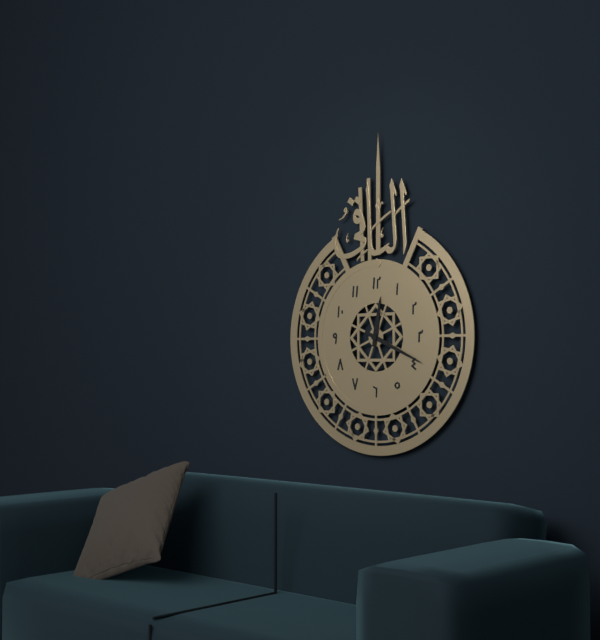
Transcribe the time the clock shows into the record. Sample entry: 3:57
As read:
12:19
